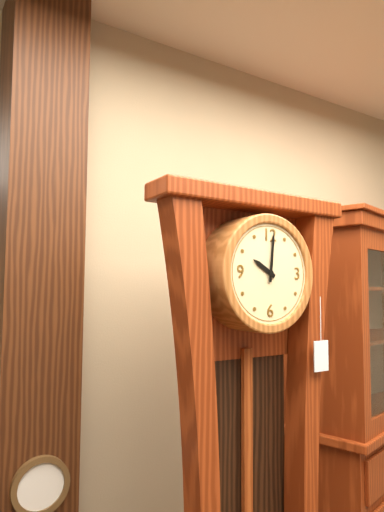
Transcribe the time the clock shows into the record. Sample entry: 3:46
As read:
10:01
